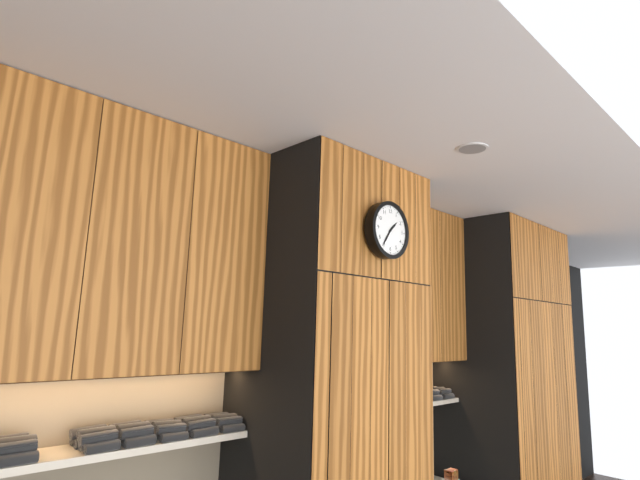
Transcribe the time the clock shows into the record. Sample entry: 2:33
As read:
1:36
